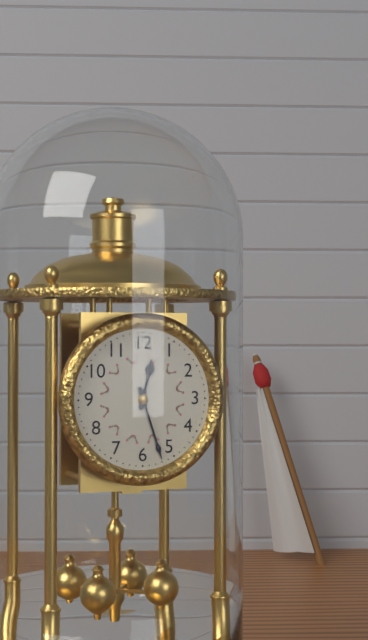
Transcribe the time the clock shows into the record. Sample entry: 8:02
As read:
12:27
